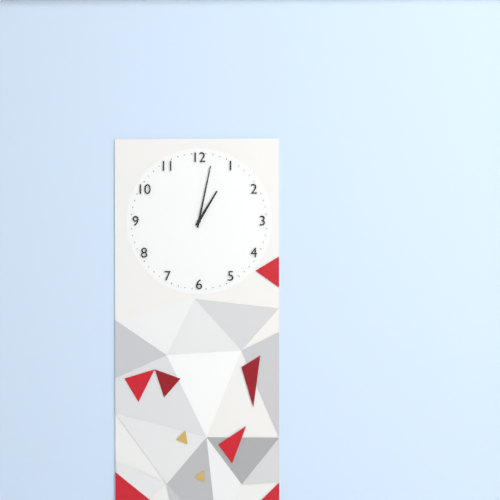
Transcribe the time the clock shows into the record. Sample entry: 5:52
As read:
1:02
